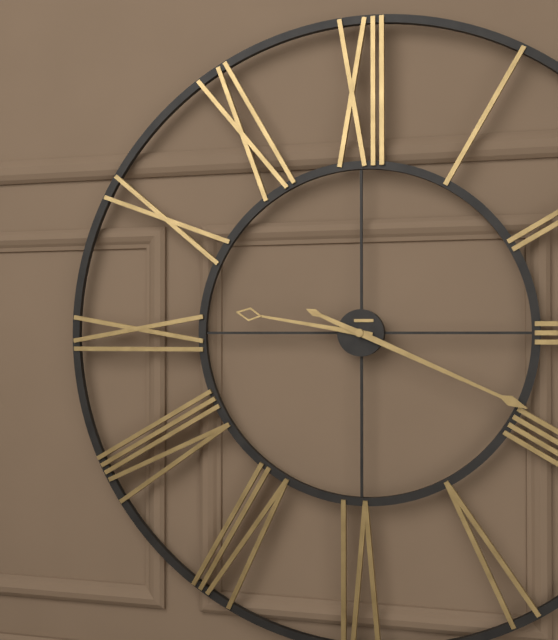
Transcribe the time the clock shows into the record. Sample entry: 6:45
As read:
9:19
